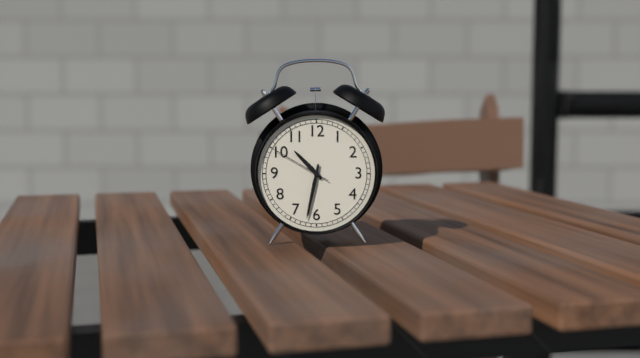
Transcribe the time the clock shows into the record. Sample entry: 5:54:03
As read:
10:32:50
